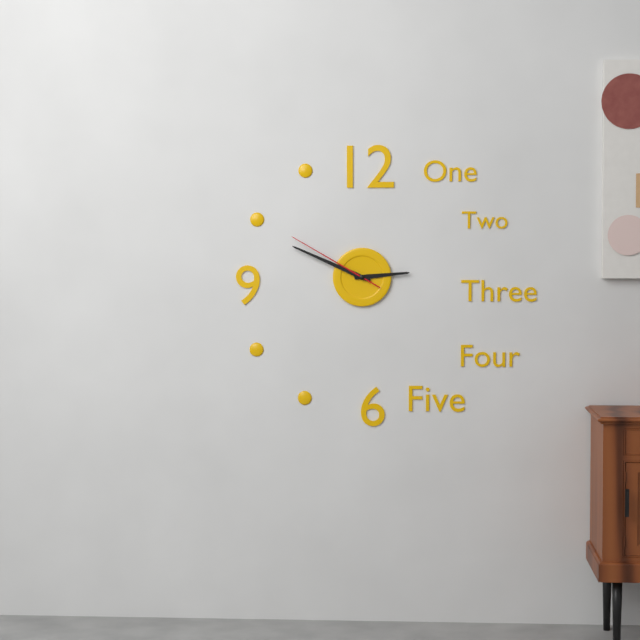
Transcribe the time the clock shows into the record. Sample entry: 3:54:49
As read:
2:49:50
